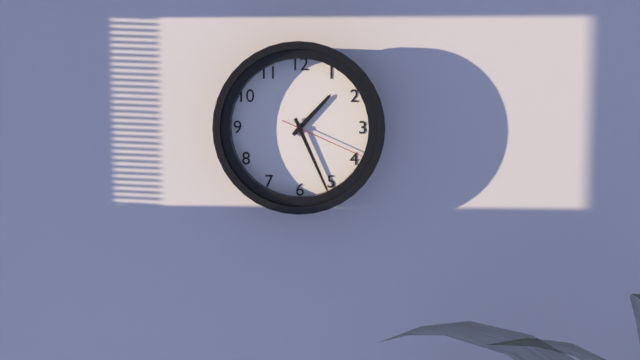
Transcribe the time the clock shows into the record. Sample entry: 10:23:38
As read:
1:26:19
